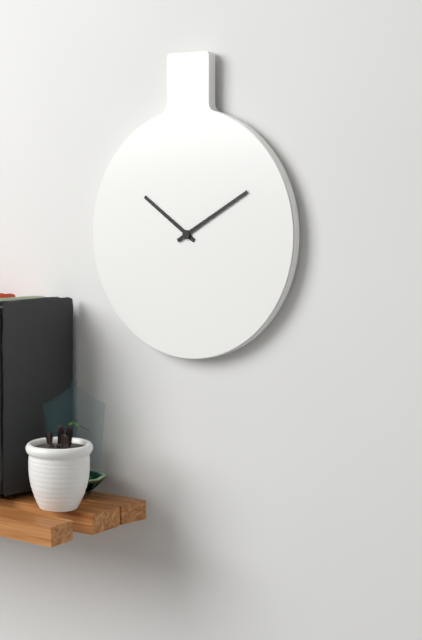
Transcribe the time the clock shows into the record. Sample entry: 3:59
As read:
10:10
